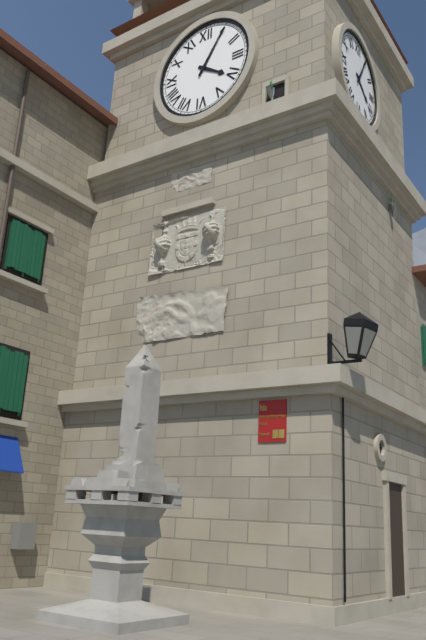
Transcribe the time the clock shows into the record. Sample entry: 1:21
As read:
4:05
